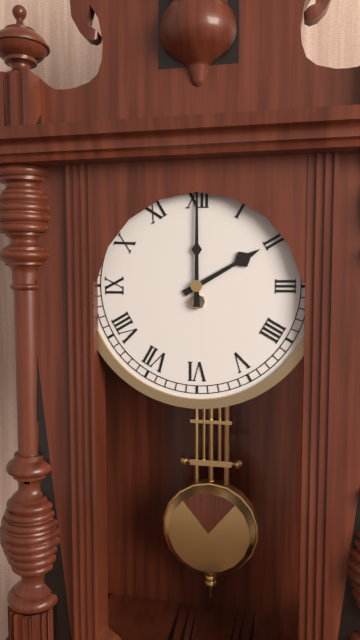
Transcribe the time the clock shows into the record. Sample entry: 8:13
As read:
2:00
